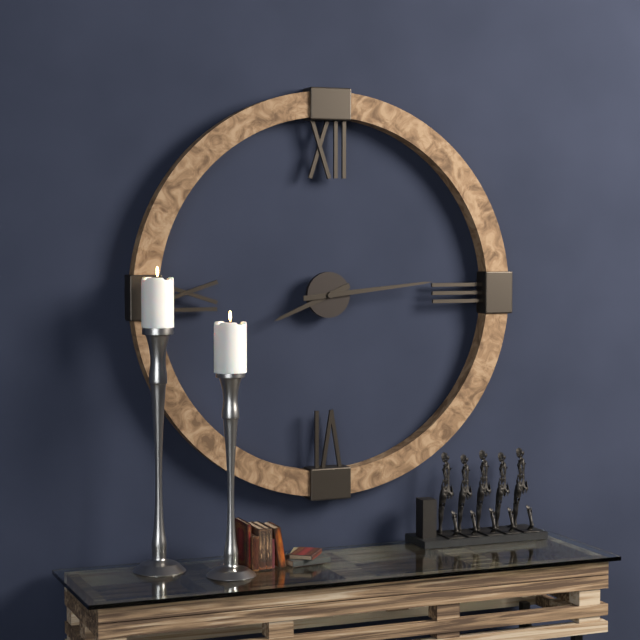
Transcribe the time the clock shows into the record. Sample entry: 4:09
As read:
8:14
